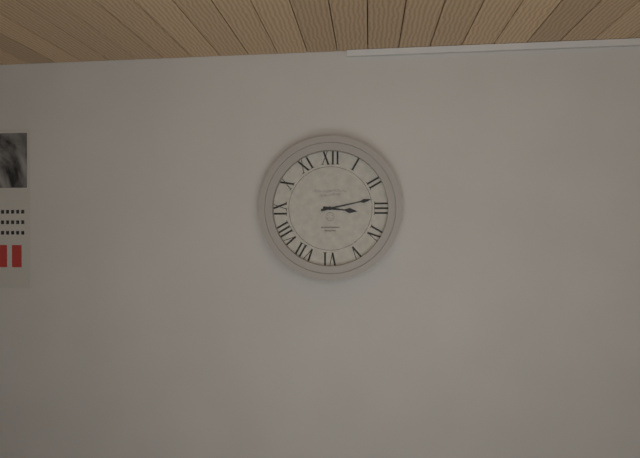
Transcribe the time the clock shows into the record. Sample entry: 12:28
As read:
3:13
